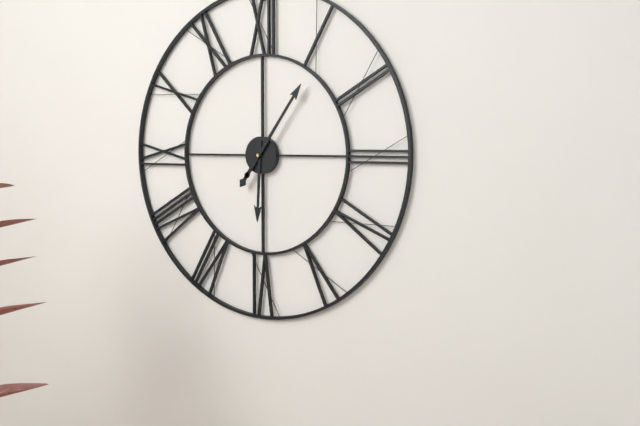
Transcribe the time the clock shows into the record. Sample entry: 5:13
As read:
6:06
